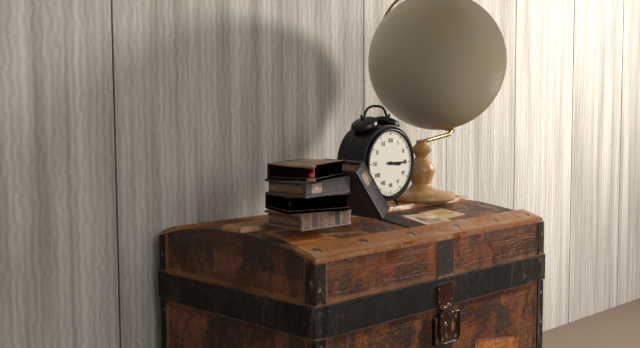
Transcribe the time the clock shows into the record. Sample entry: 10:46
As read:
3:15
